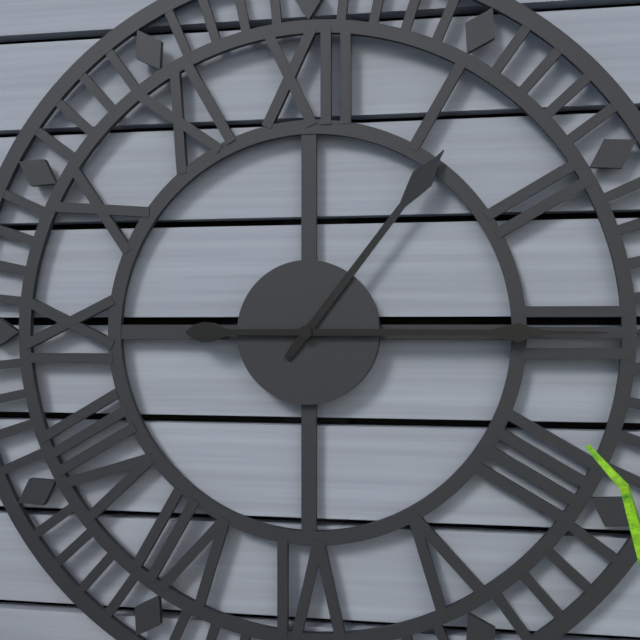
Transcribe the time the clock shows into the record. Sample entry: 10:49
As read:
1:15
